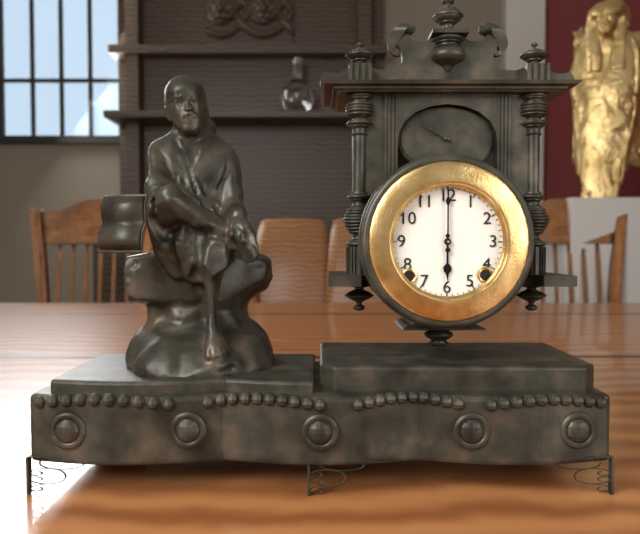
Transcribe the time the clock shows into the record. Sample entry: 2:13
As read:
6:00
